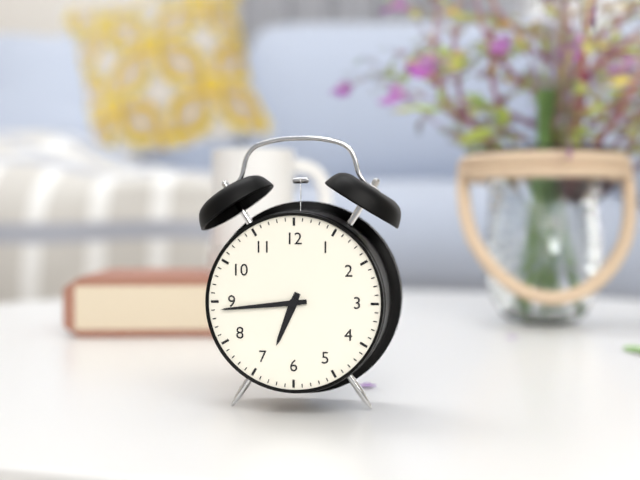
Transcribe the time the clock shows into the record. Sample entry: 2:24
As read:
6:44
